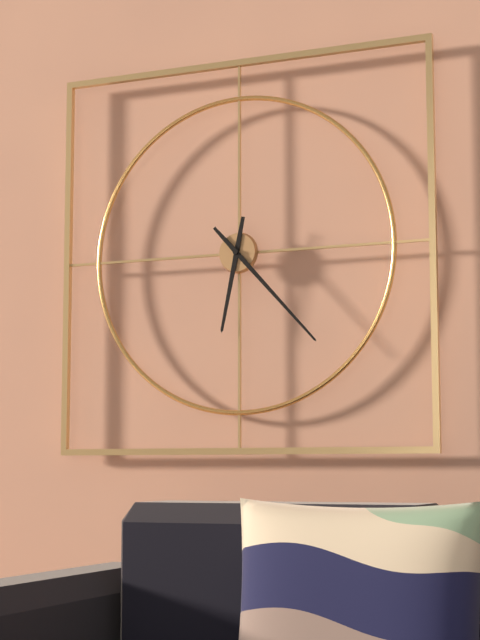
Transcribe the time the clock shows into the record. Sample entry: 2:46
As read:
6:23
